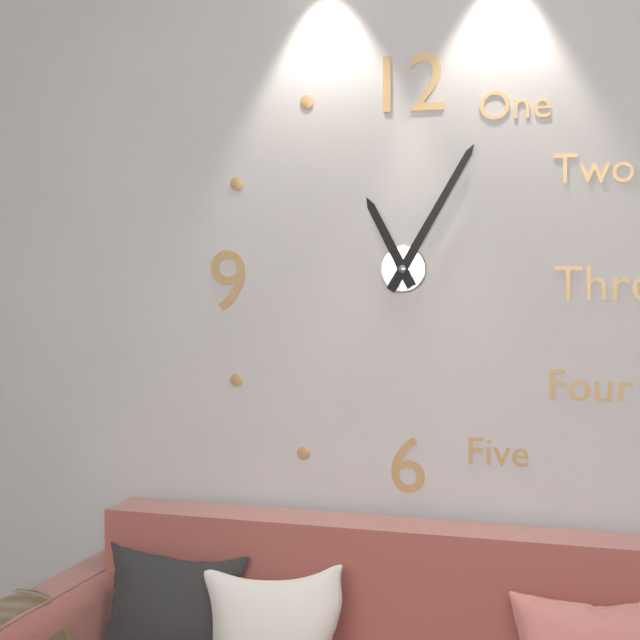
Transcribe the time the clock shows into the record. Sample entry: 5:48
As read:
11:05
